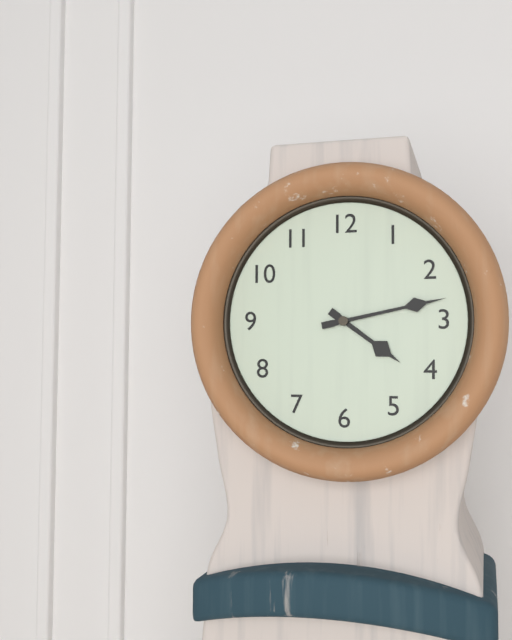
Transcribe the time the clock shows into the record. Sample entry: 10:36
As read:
4:13
